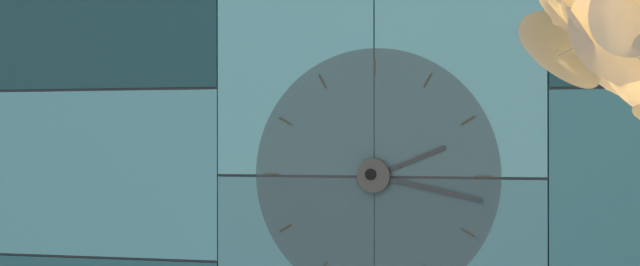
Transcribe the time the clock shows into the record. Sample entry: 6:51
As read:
2:17
